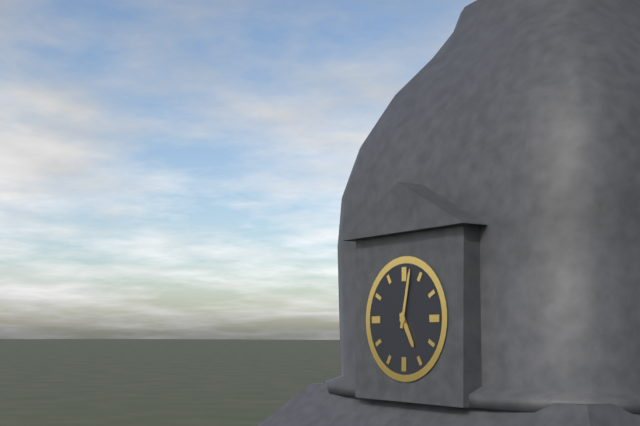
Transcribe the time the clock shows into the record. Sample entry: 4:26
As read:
5:02
